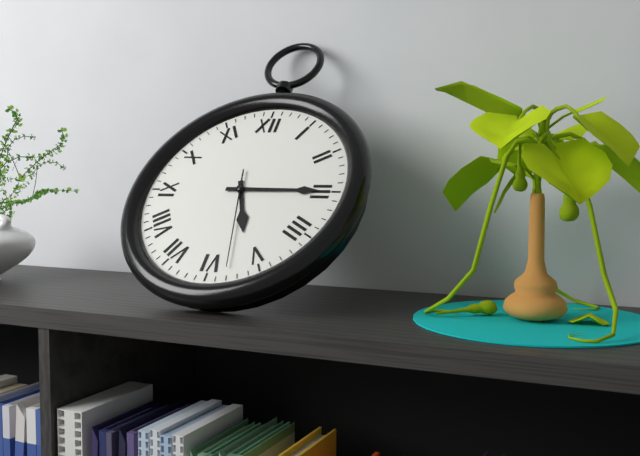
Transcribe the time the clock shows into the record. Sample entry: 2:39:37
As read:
5:15:28
